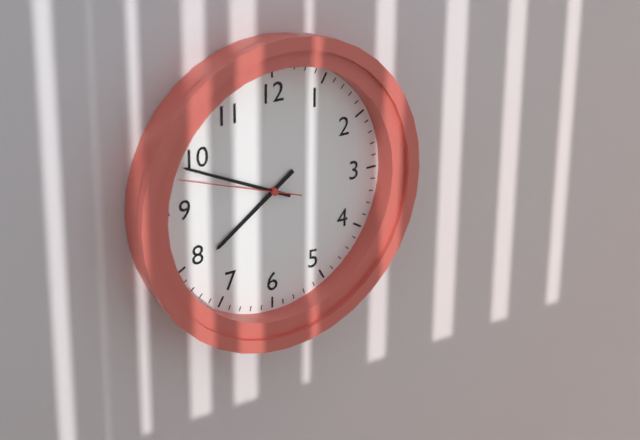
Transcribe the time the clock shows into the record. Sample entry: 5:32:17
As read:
7:49:48
